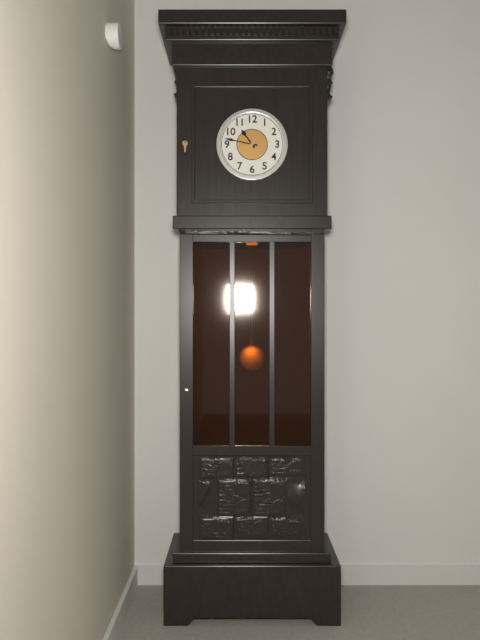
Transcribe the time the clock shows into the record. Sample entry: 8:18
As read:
10:47
